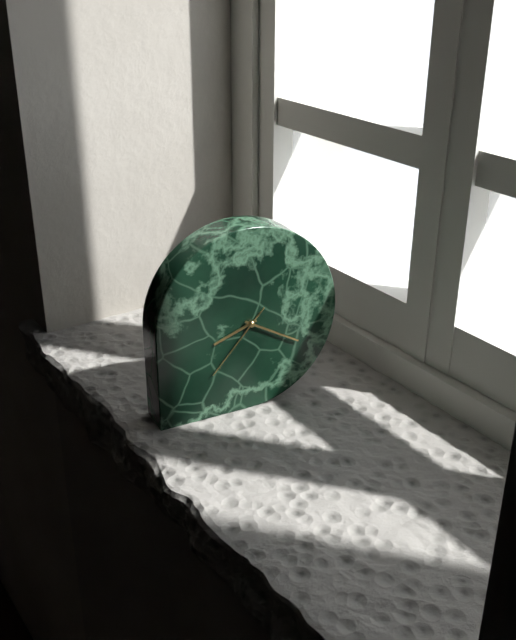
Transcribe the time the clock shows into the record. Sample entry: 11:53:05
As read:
8:20:37
